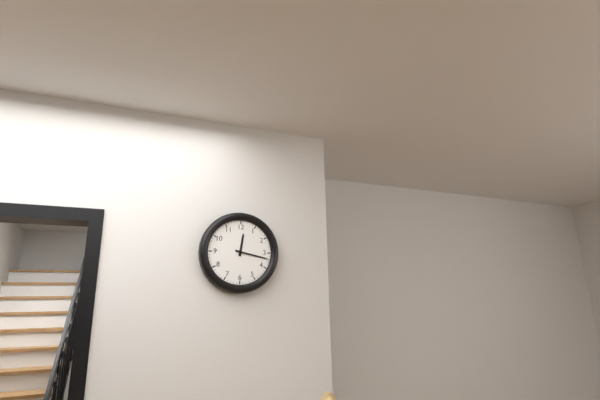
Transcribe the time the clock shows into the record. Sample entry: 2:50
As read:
12:17
